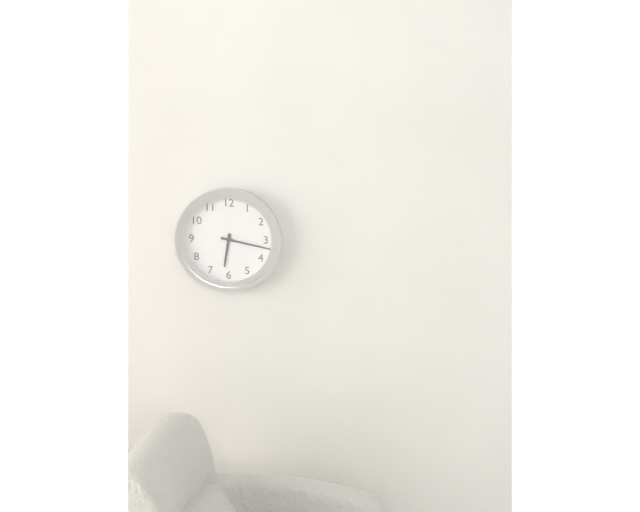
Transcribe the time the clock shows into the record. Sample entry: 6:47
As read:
6:17
